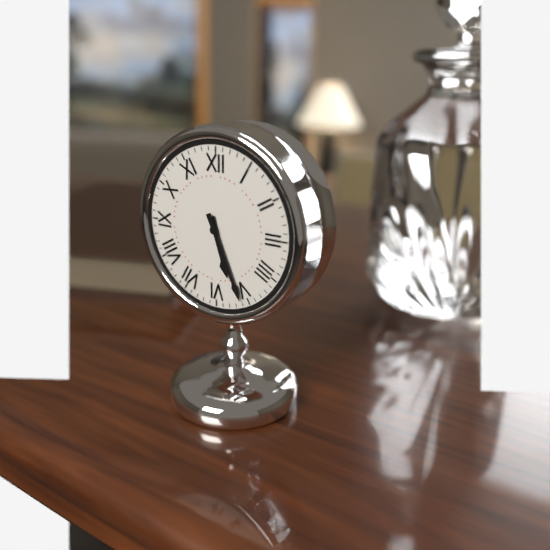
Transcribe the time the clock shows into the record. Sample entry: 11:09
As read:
5:26
